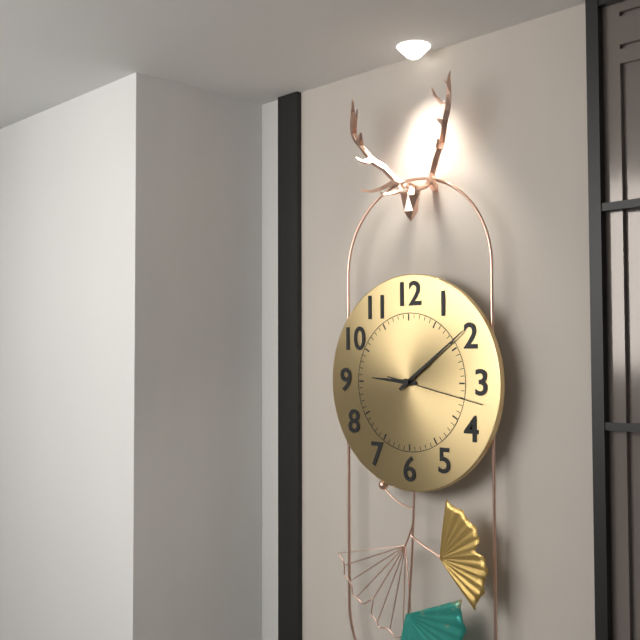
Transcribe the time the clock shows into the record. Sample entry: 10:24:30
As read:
9:09:17
